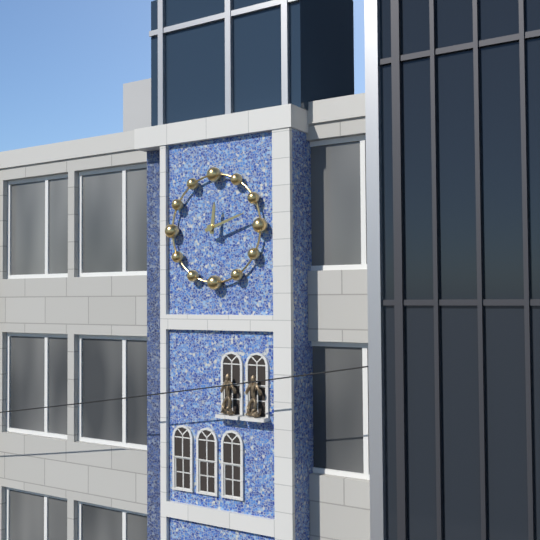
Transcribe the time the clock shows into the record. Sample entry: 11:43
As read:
12:12
